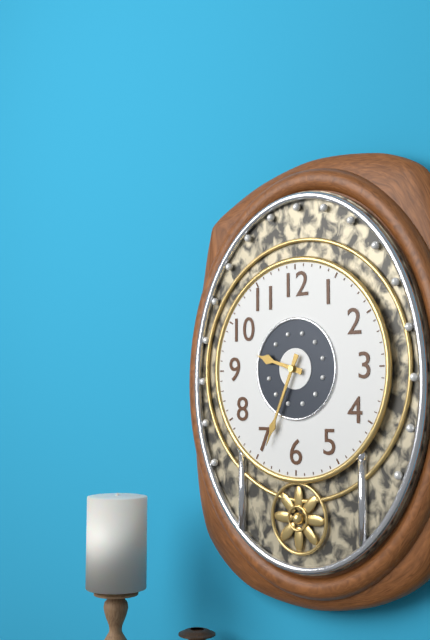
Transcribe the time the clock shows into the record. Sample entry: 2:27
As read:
9:34
